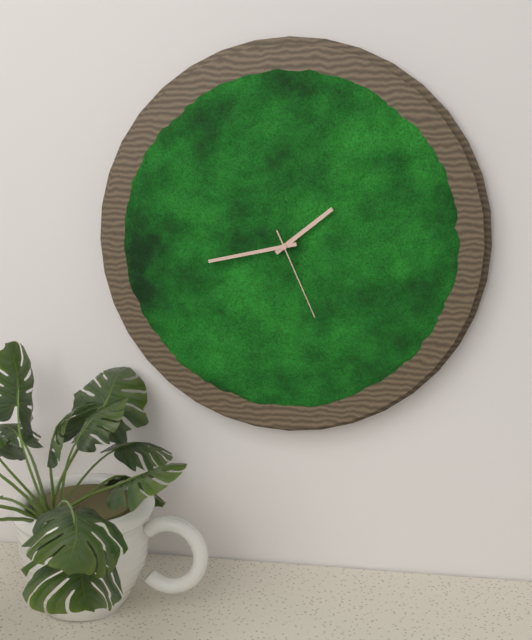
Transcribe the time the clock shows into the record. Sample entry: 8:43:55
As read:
1:43:26
